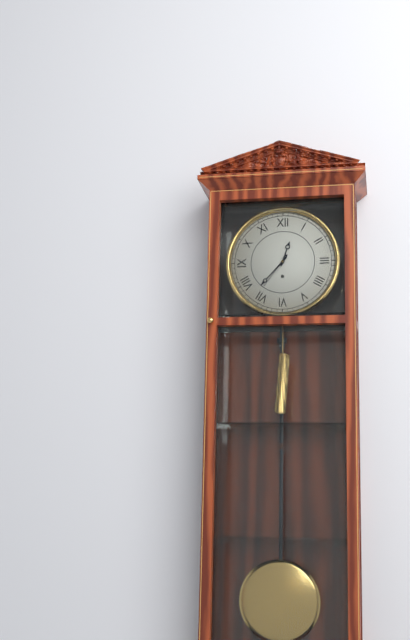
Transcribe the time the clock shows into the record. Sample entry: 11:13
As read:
12:37
